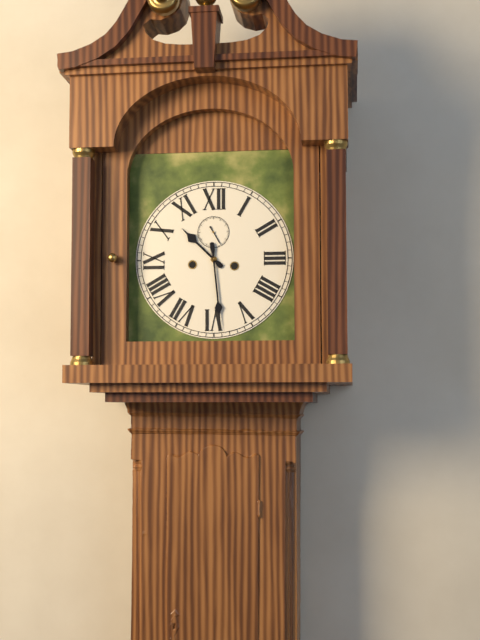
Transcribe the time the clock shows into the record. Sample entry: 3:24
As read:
10:29
